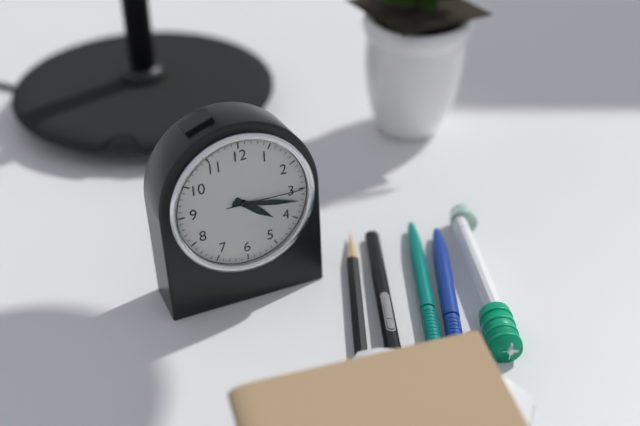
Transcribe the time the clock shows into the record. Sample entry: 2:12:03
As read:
4:17:15
